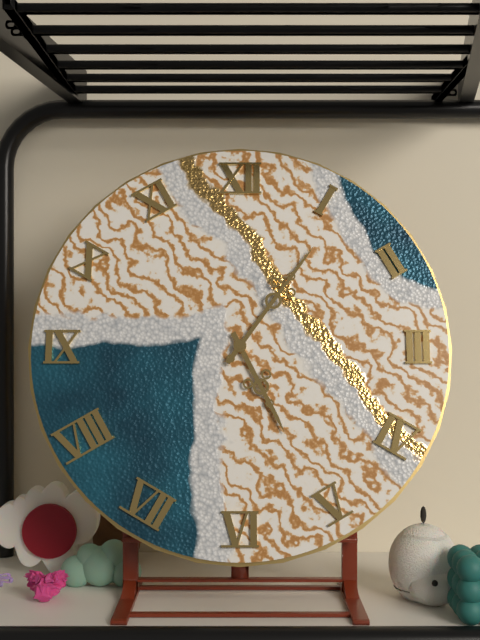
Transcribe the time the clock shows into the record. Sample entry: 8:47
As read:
5:06
